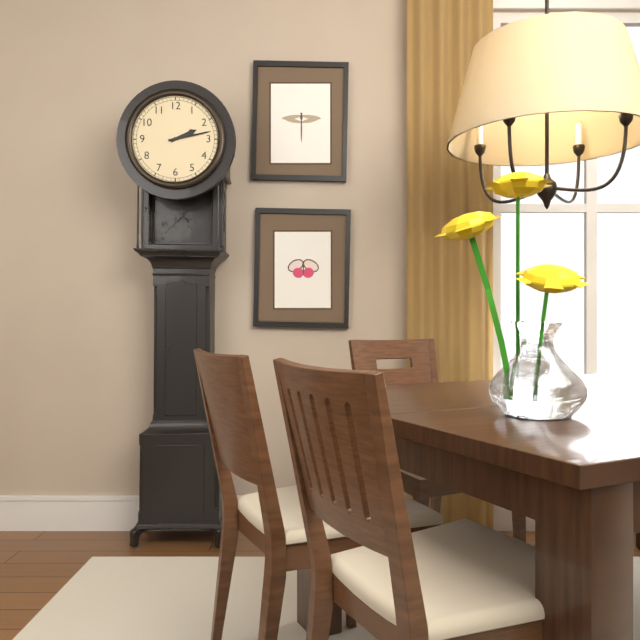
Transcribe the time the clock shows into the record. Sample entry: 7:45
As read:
2:13
